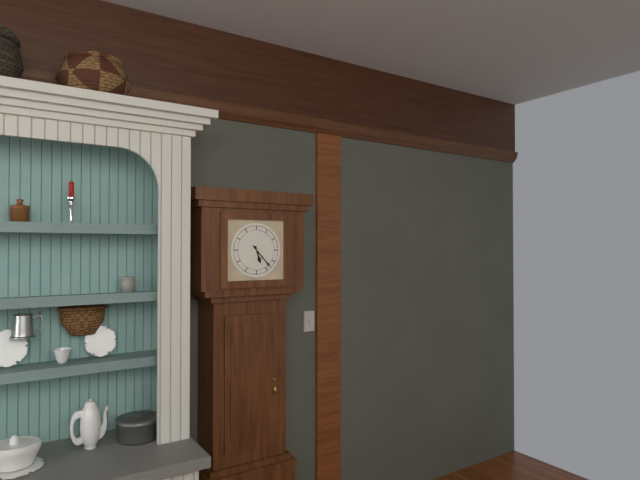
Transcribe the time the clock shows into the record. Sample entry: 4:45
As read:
5:23
